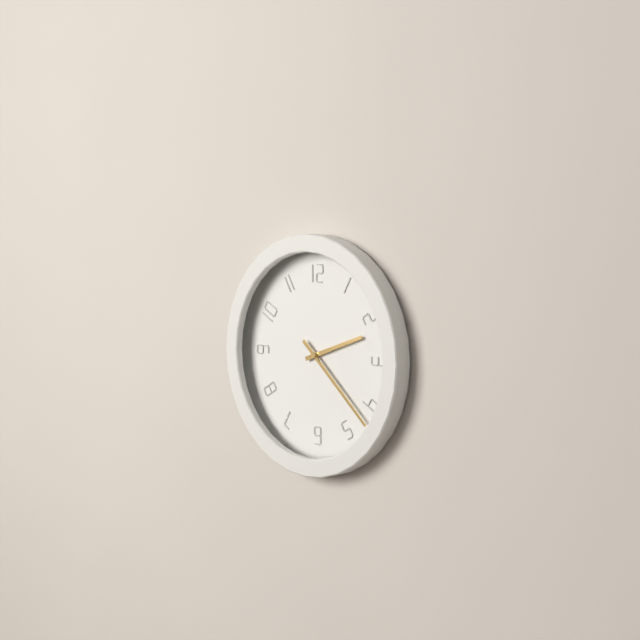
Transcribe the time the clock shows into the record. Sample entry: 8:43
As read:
2:22
